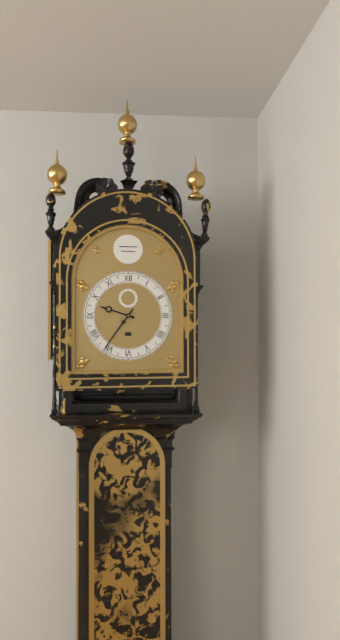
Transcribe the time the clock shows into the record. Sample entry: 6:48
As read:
9:36
